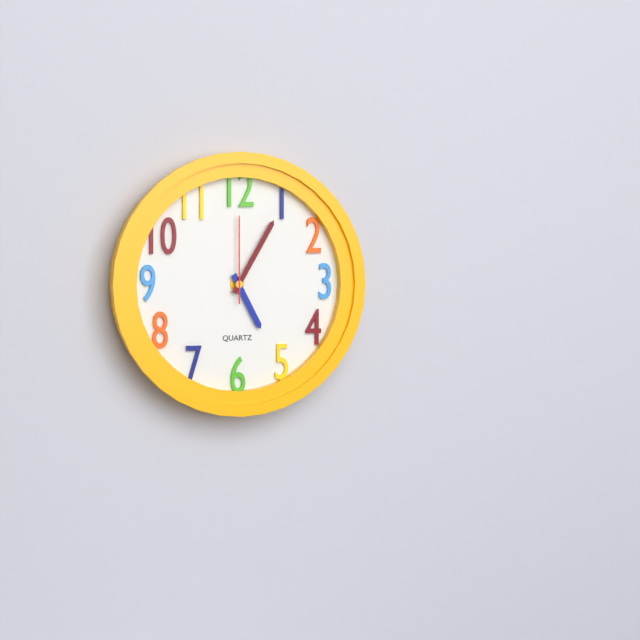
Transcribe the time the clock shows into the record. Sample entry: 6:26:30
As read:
5:05:00
